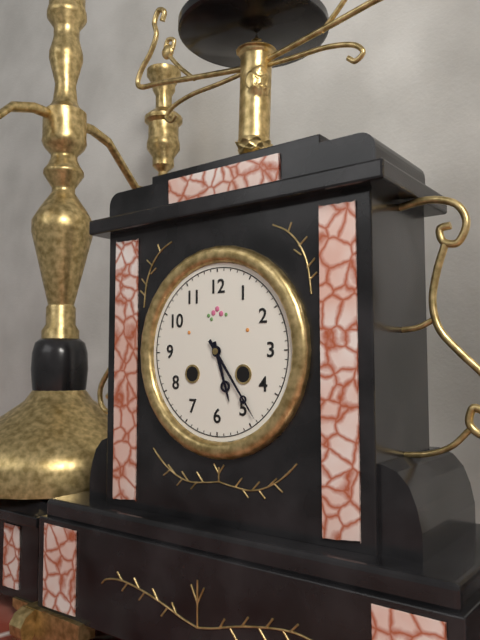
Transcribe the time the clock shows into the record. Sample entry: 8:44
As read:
5:24
